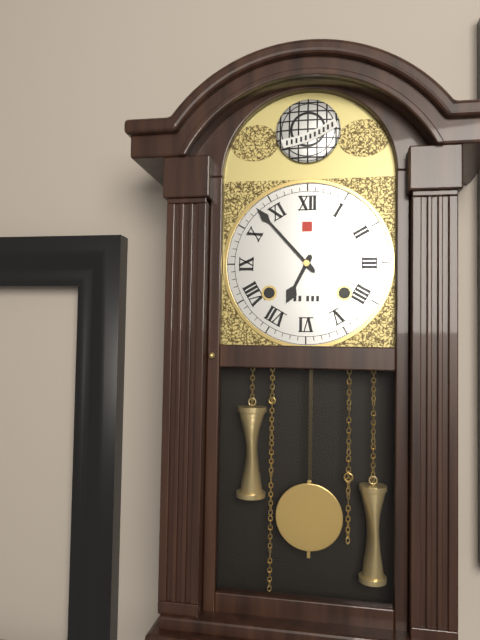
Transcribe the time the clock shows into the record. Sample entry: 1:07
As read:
6:53
